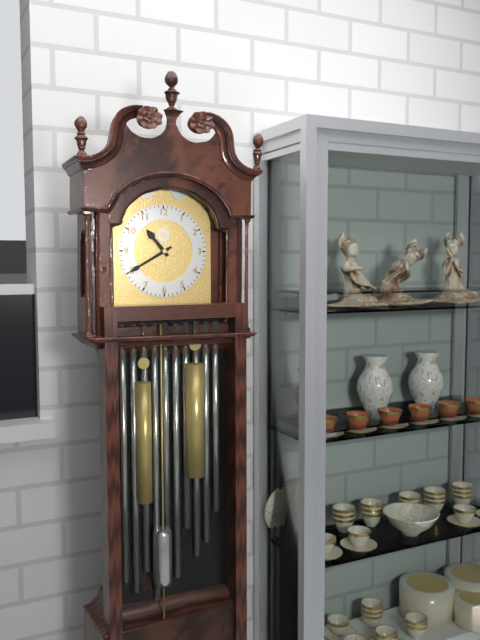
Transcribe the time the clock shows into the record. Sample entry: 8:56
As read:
10:40
